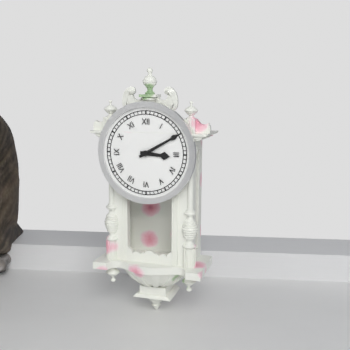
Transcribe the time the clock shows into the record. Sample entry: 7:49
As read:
3:10
